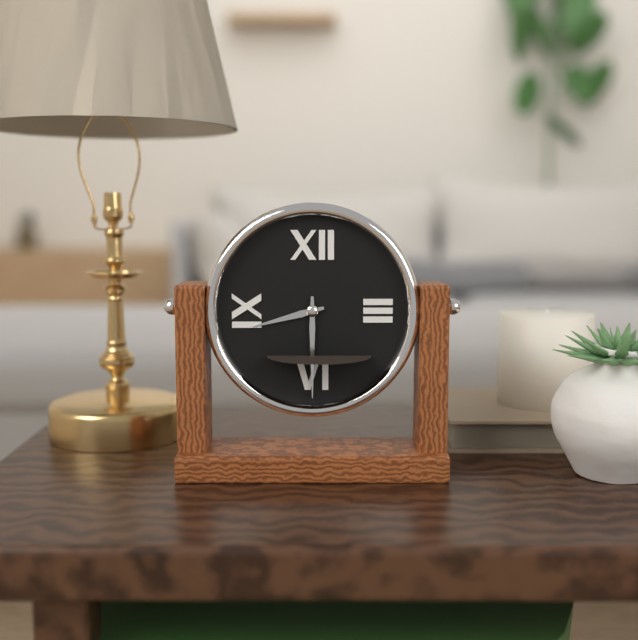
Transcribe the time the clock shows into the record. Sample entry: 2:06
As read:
8:30
